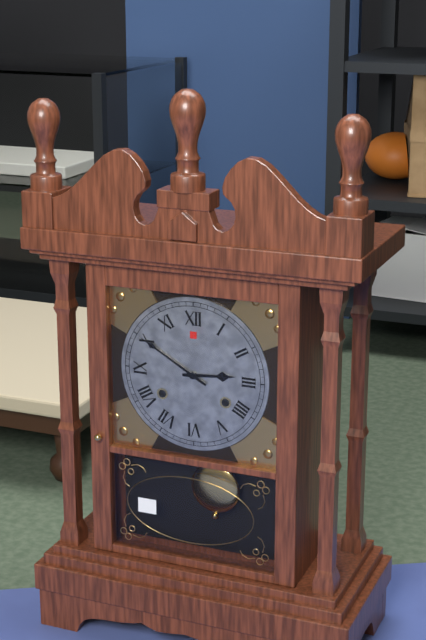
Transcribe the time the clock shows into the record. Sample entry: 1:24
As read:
2:50
